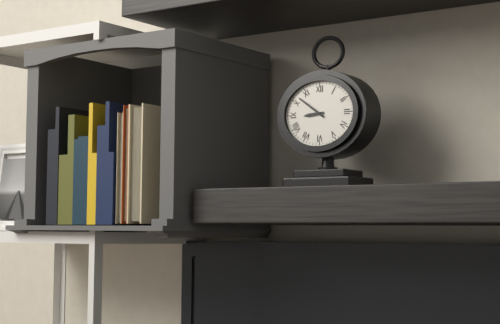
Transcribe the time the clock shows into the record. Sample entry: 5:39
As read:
8:51
